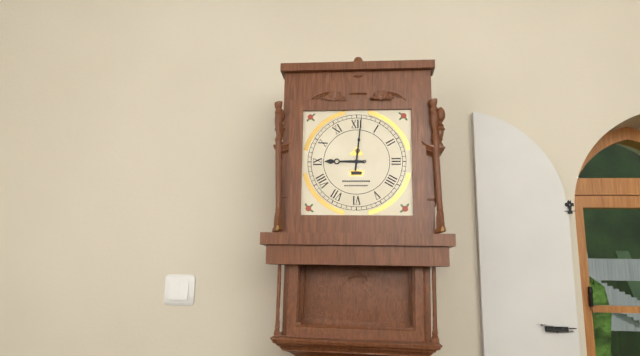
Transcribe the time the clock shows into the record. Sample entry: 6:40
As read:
9:01
